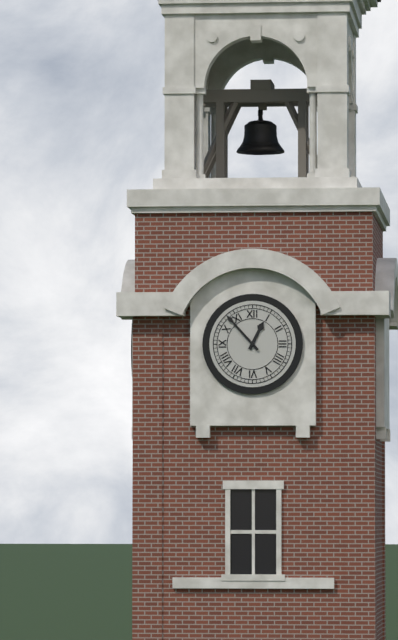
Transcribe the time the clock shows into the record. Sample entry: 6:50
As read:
12:53
